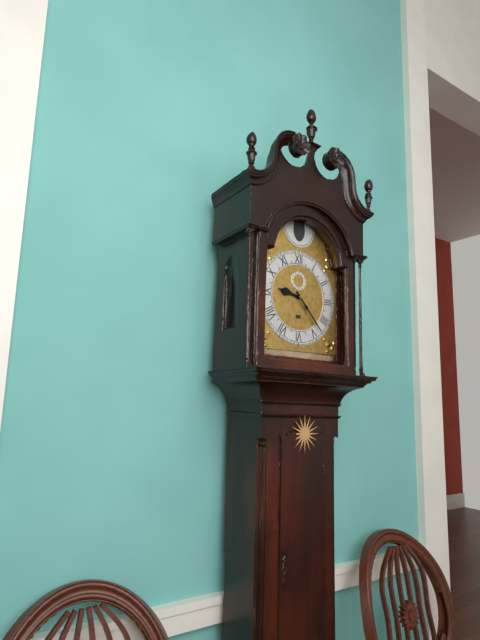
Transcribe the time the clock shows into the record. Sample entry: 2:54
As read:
9:23
